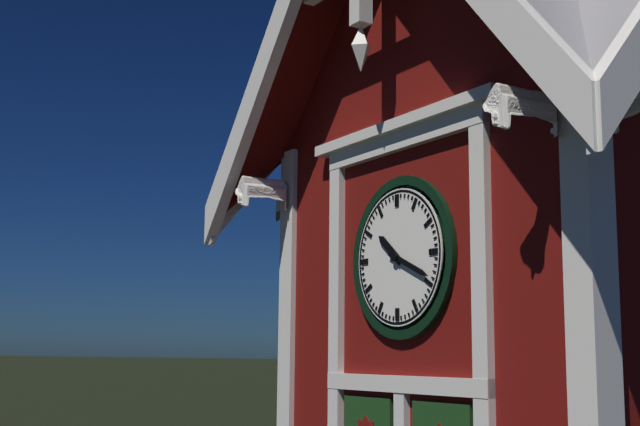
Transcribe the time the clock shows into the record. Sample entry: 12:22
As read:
10:19
